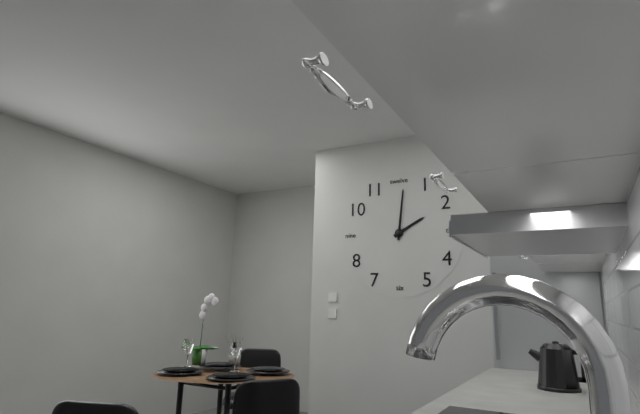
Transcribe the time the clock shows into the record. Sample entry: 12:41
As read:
2:01
